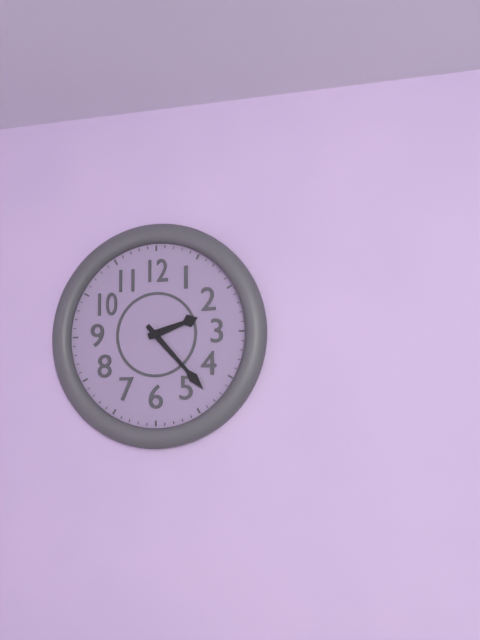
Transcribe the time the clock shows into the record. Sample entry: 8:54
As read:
2:23
